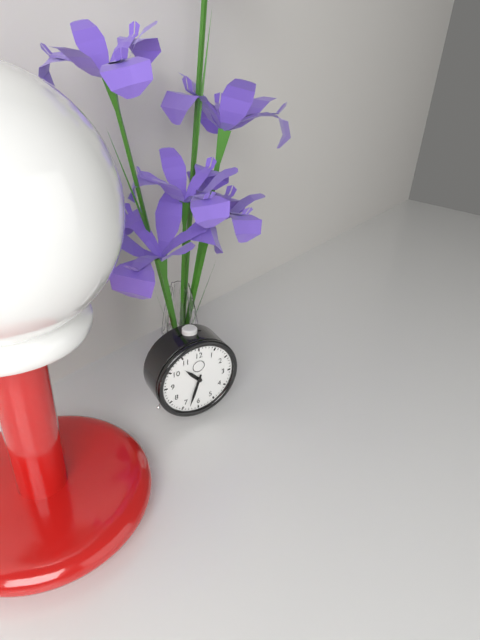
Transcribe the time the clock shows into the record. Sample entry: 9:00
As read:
10:33
